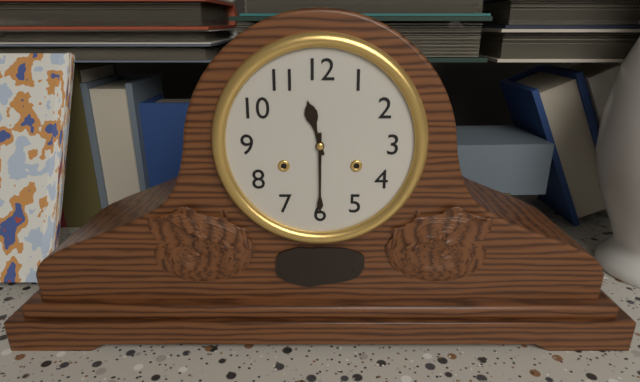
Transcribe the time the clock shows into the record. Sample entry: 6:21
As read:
11:30
